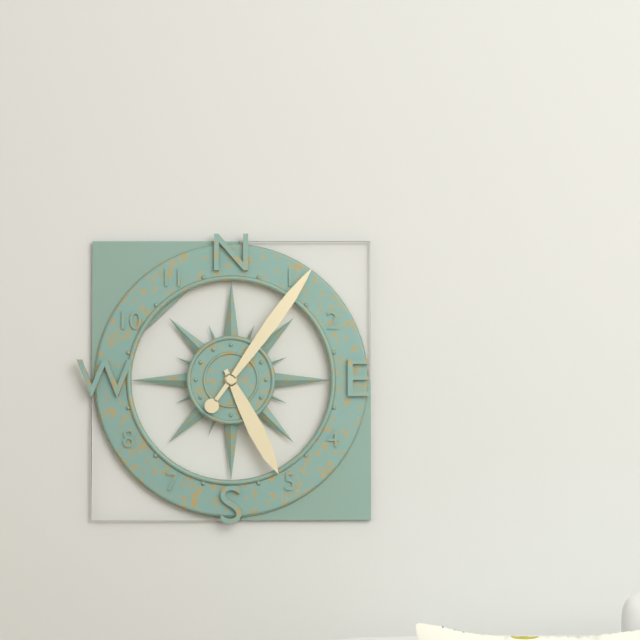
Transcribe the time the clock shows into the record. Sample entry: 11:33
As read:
5:06
